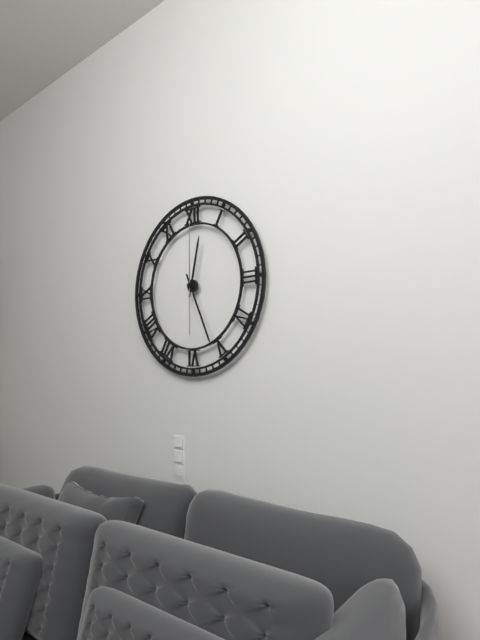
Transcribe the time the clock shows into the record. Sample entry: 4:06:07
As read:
12:26:00
